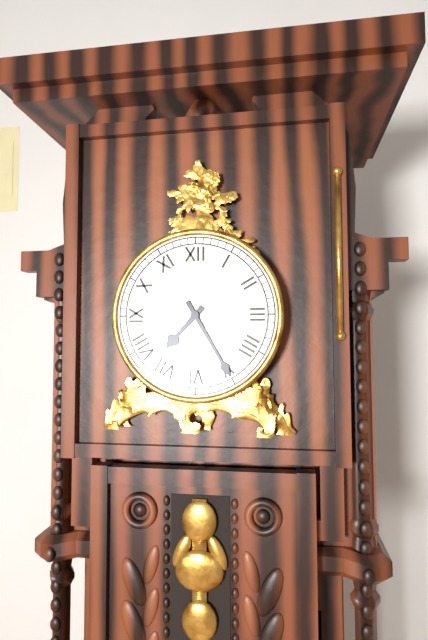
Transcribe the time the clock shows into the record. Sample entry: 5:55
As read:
7:25
